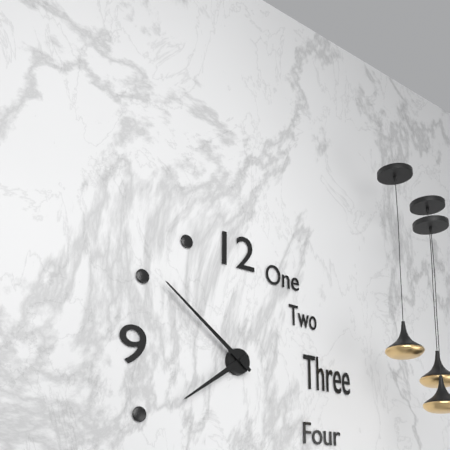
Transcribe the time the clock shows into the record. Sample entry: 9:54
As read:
7:51
